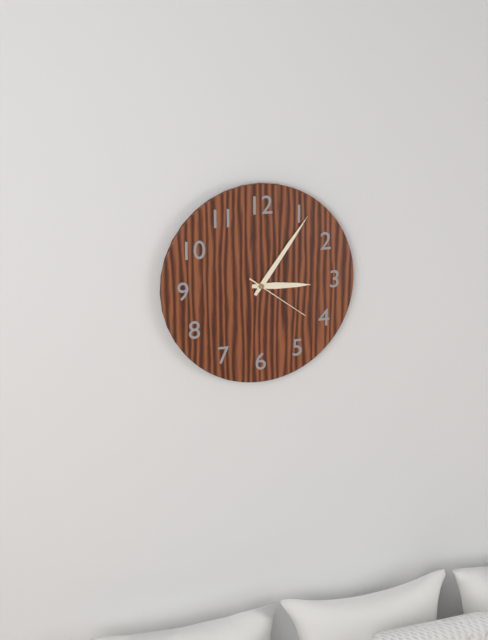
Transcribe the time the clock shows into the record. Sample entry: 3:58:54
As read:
3:06:21
